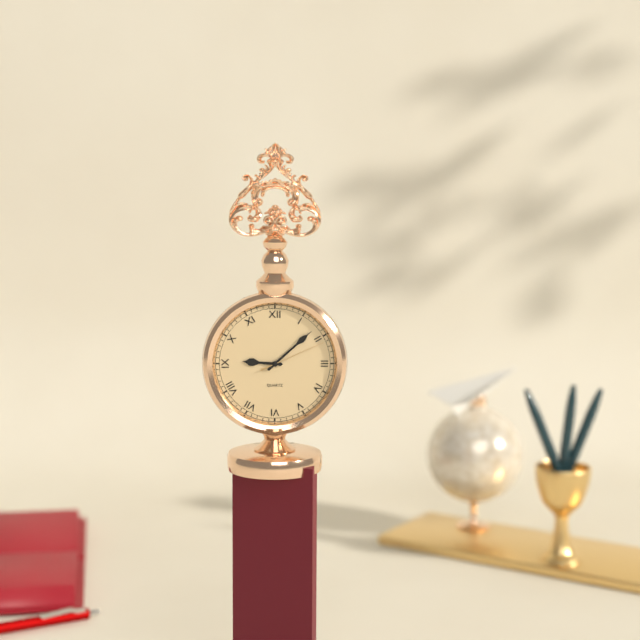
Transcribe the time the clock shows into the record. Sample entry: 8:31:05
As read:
9:08:11
